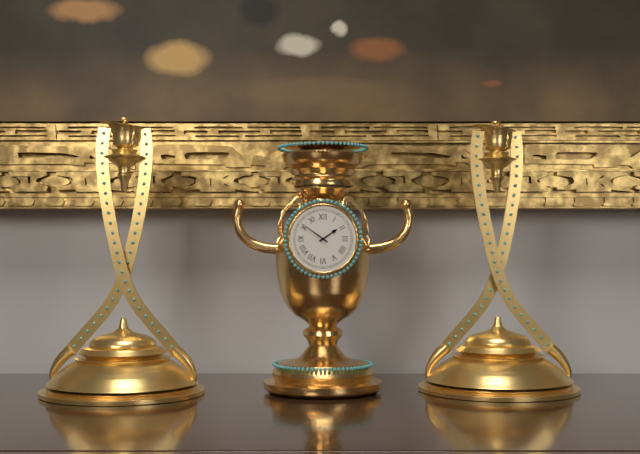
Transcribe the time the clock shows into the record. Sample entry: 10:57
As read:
1:51
